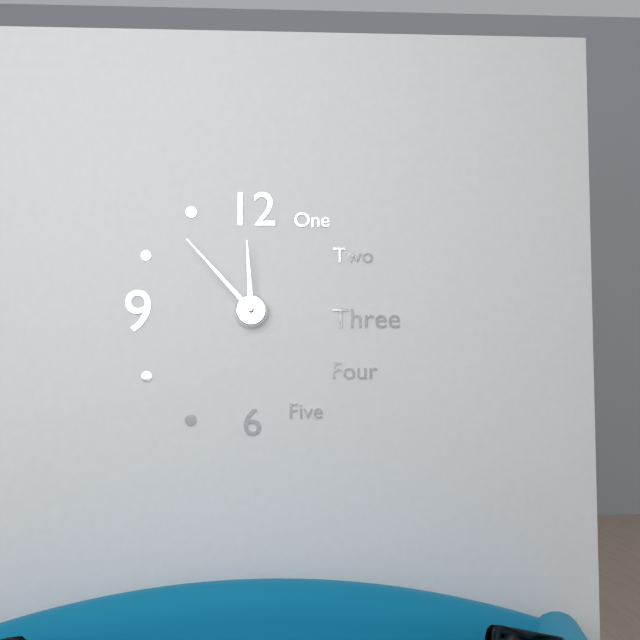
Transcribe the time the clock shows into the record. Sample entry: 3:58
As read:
11:53
